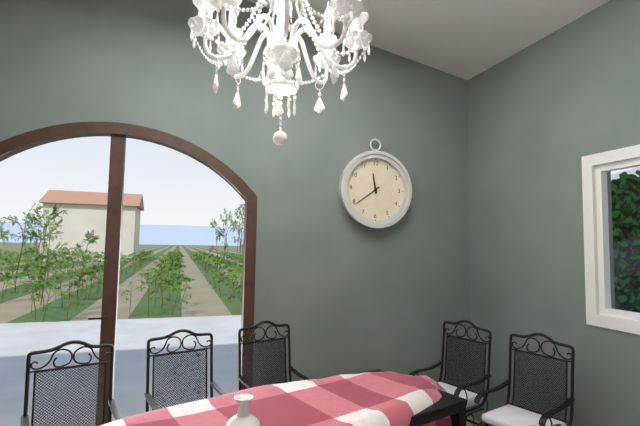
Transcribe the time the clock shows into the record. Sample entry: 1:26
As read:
11:39
